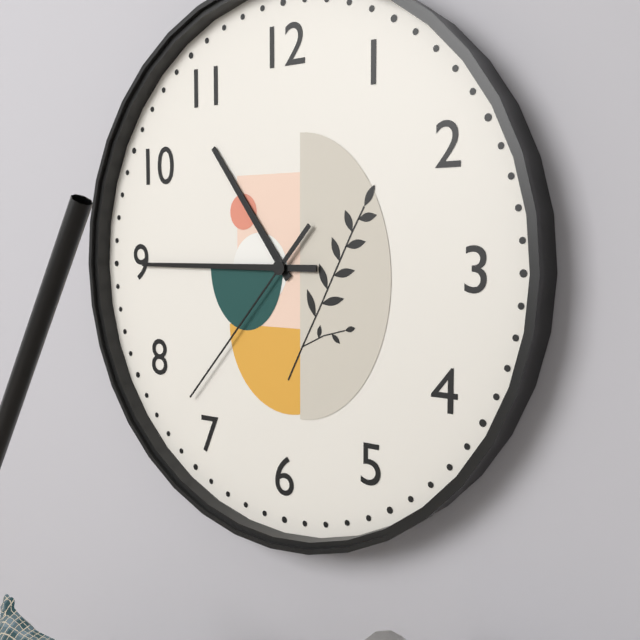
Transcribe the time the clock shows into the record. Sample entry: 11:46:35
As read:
10:45:37
